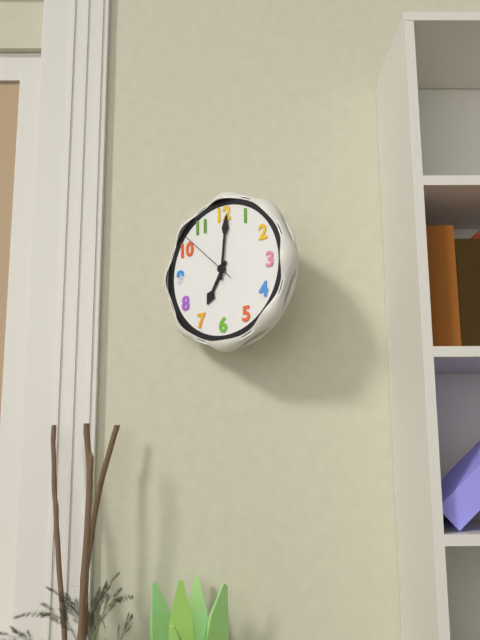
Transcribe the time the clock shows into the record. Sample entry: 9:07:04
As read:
7:01:52
